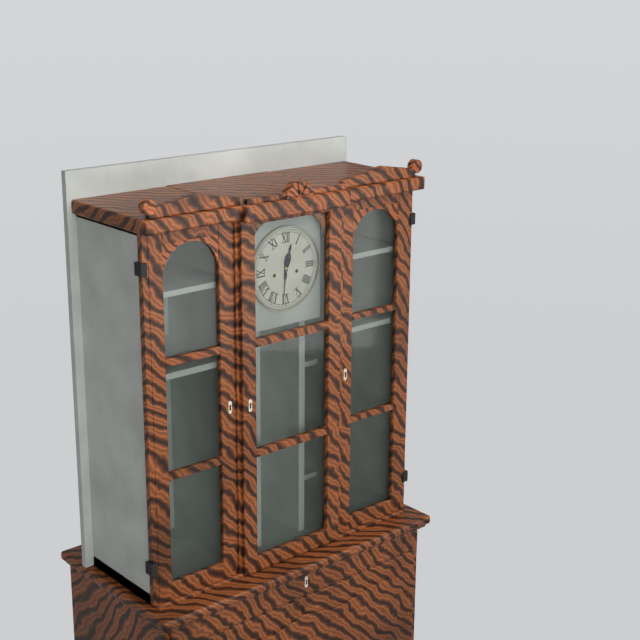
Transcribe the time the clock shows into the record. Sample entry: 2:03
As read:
12:31
